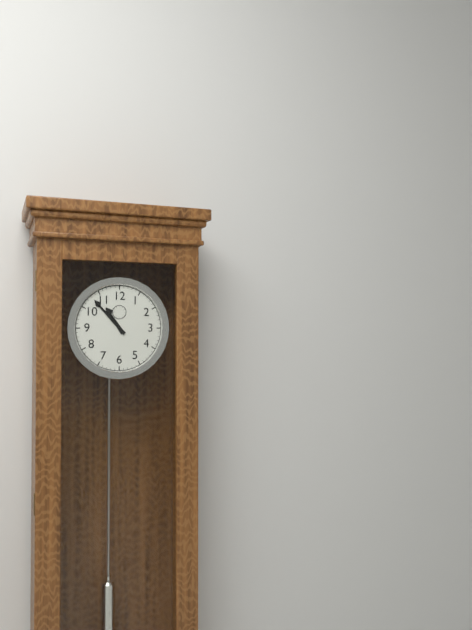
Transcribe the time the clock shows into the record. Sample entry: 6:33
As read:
10:53
